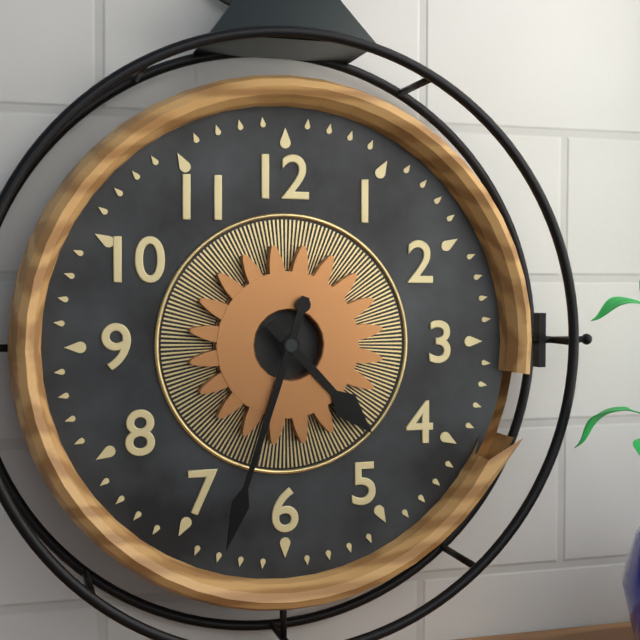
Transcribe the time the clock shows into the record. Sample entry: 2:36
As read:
4:33
